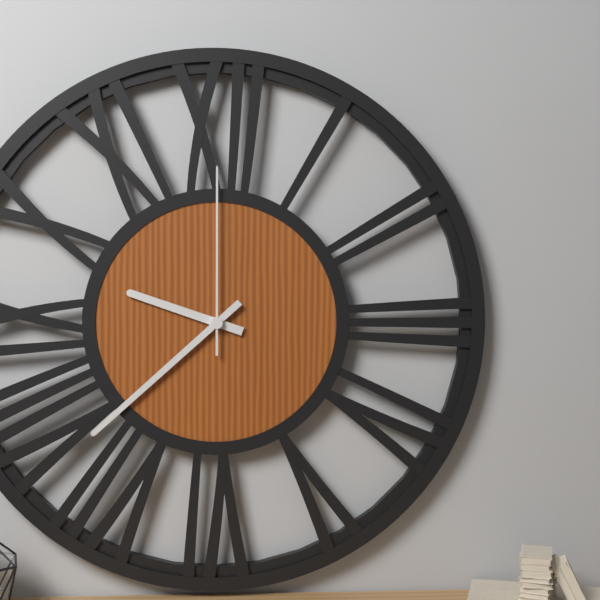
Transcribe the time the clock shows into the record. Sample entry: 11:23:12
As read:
9:38:00
